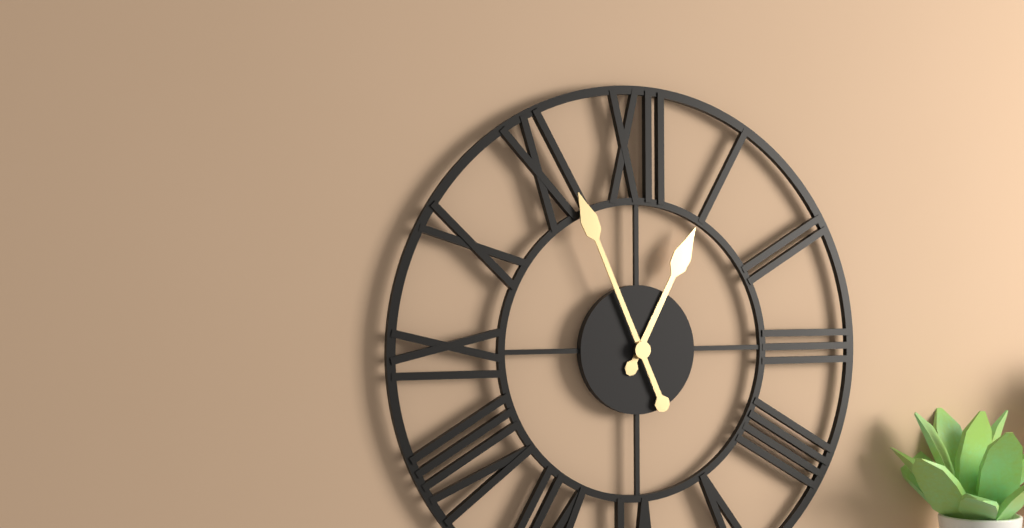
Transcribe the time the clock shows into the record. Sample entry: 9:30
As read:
12:56
